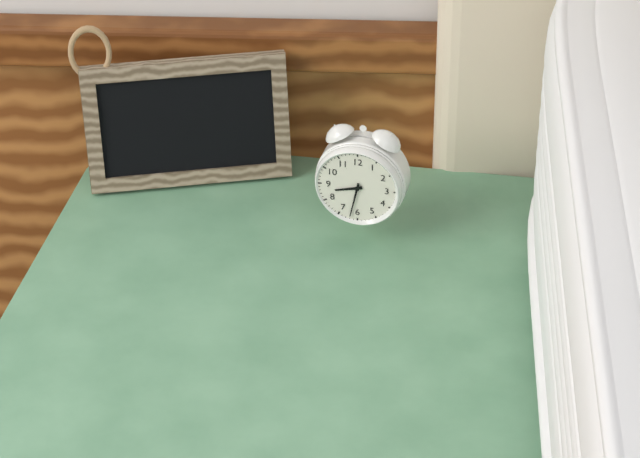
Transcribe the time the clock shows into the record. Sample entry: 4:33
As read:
8:32
